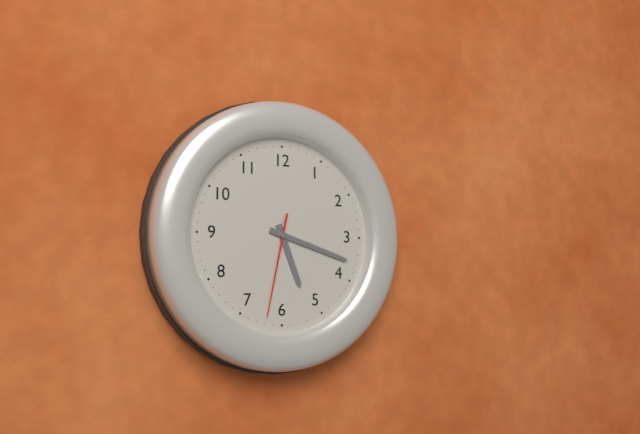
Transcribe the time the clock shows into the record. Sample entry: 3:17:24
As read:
5:18:32
